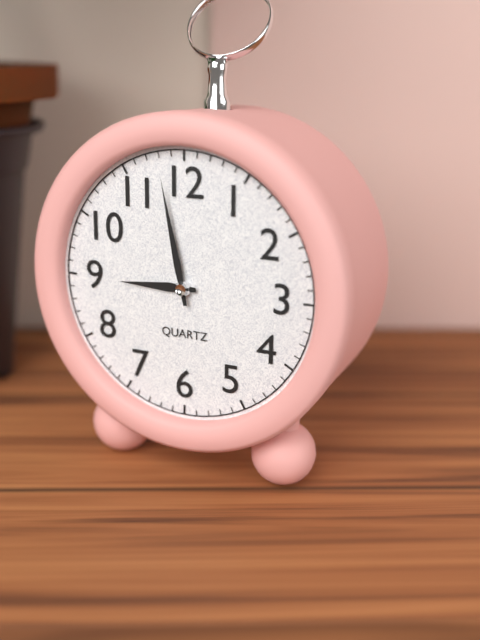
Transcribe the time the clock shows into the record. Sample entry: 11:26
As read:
8:58
